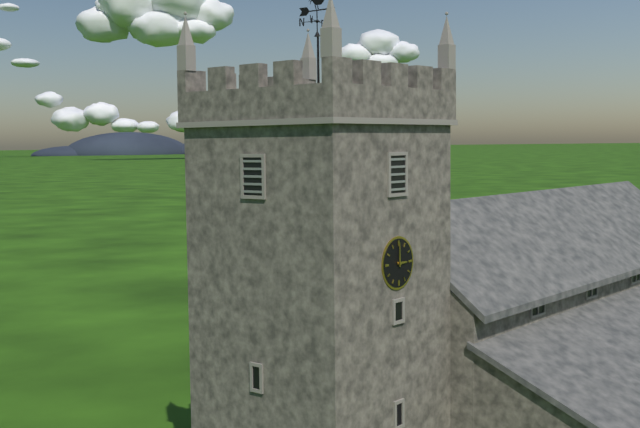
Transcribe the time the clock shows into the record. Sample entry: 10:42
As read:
3:00
